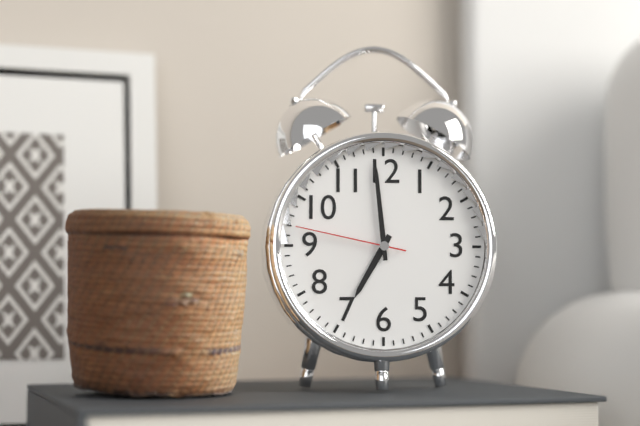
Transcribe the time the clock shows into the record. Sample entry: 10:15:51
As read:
6:59:47
